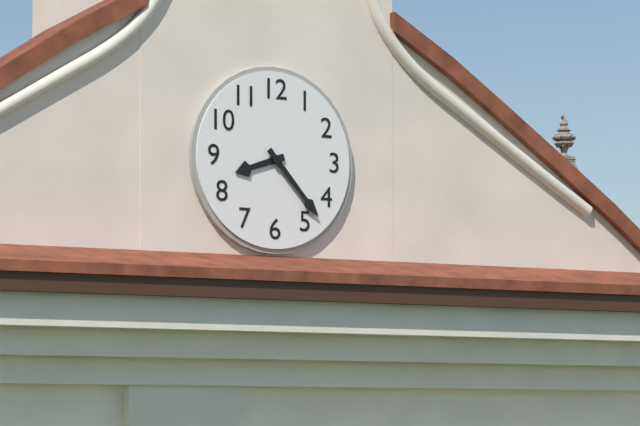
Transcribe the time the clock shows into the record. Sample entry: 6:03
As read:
8:23
